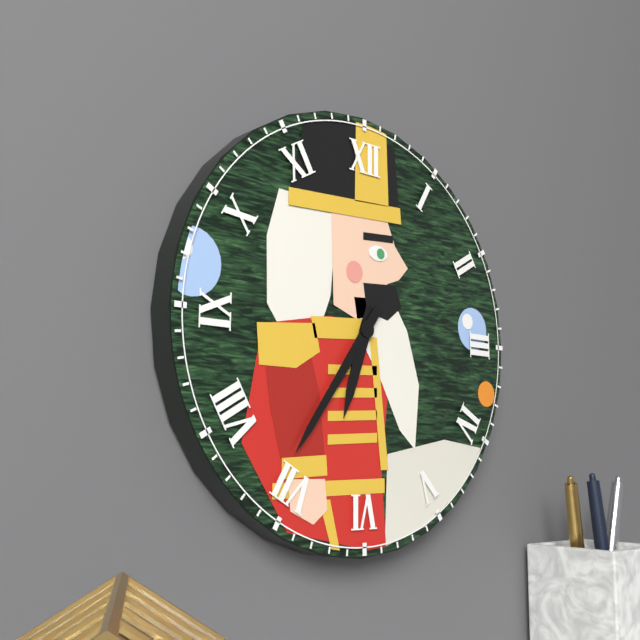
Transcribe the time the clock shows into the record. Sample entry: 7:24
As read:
6:36
